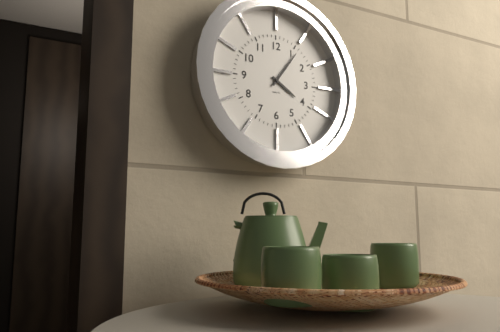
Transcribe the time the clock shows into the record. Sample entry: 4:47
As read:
4:06
